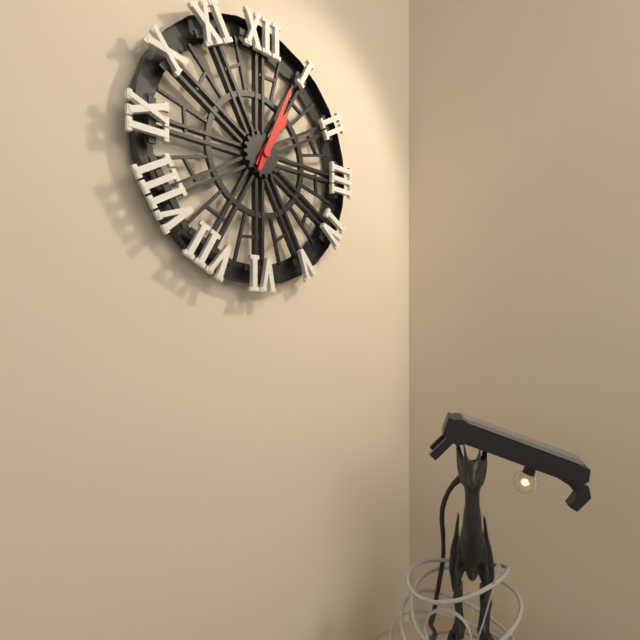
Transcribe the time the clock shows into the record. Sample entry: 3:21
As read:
1:04
